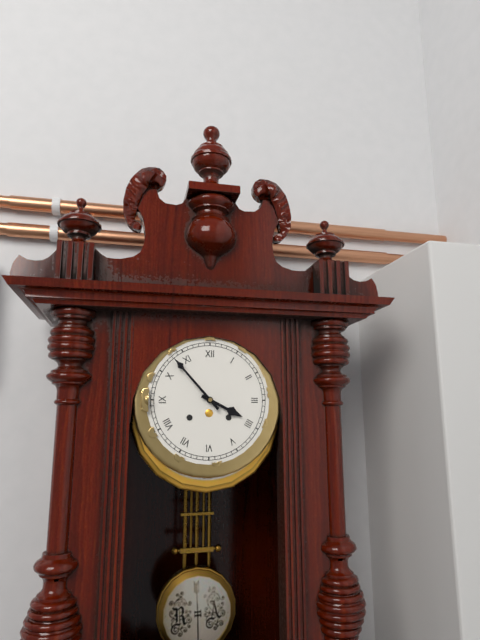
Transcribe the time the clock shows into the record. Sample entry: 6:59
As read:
3:53
